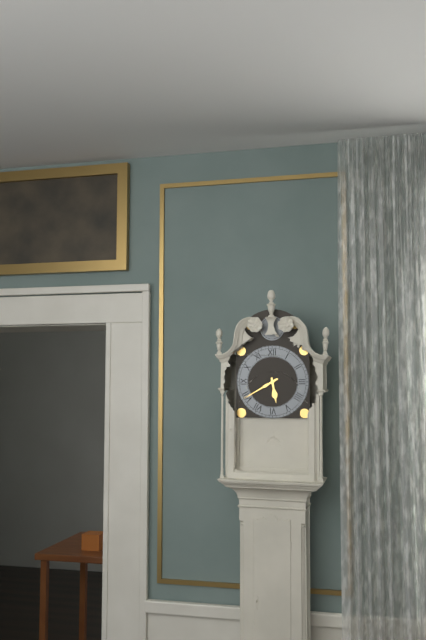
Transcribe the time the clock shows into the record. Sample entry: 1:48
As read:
5:40
